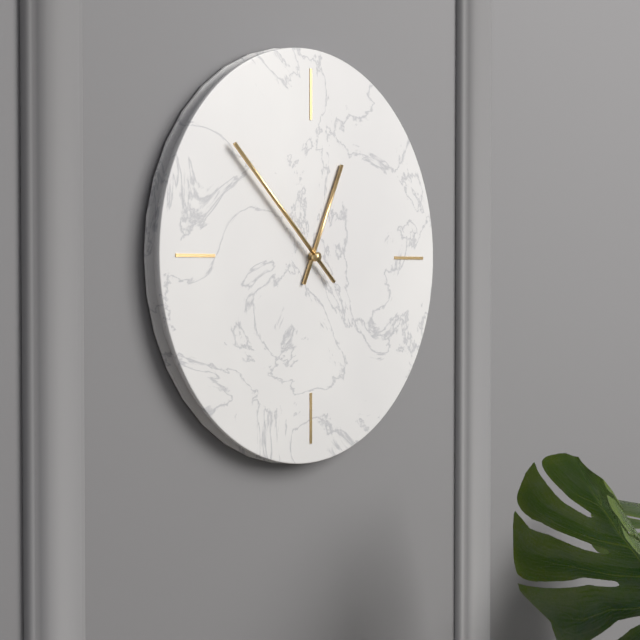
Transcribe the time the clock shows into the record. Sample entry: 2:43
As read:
12:52
